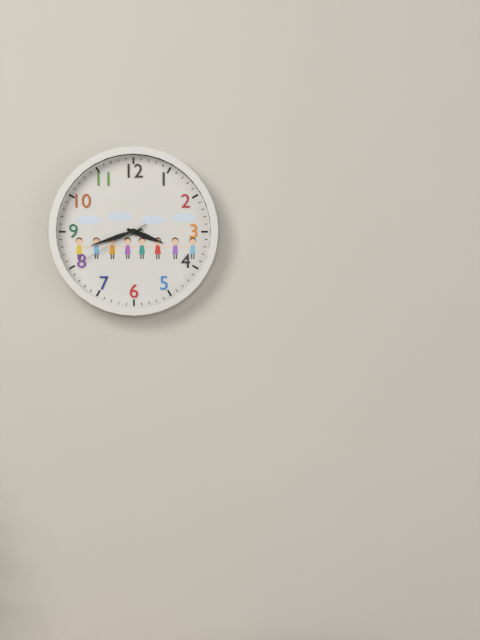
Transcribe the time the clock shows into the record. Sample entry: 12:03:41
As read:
3:42:40
